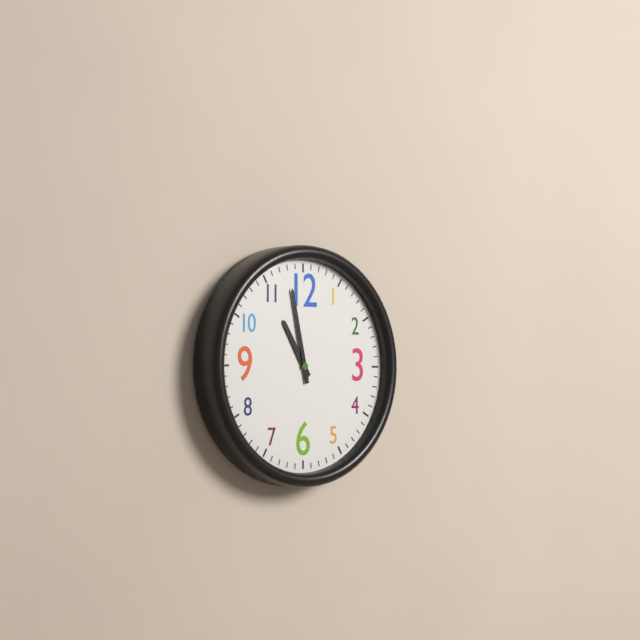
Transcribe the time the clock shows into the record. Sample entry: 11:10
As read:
10:58
